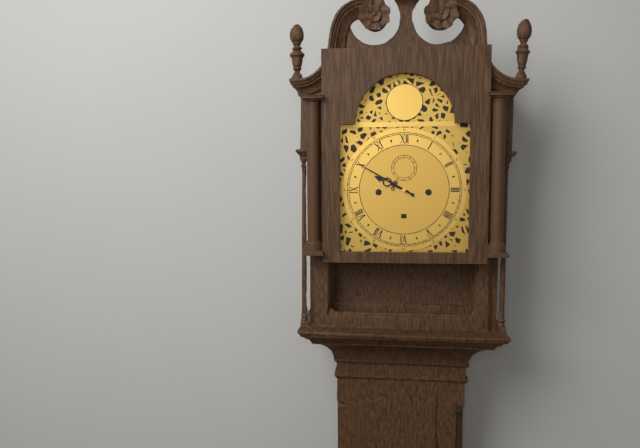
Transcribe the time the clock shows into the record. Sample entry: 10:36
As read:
9:50
